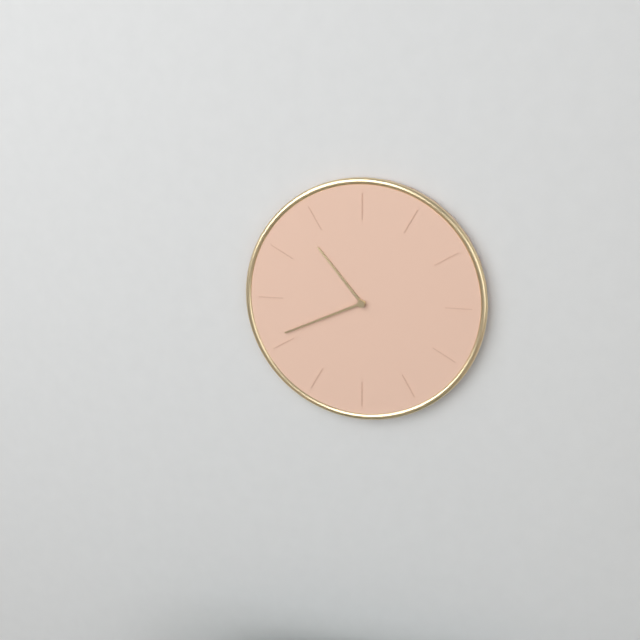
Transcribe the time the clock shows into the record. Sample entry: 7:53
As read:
10:41
